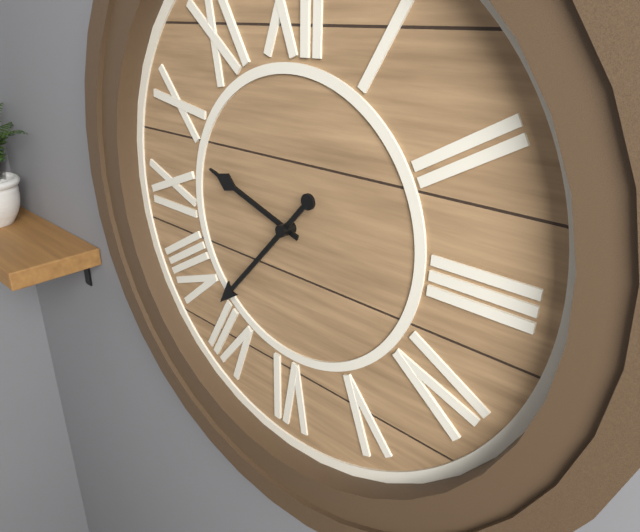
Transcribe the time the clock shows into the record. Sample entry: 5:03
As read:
9:37
